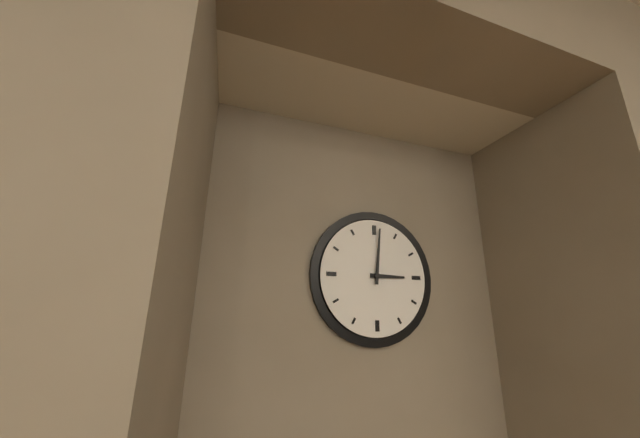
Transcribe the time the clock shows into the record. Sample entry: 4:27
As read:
3:01
